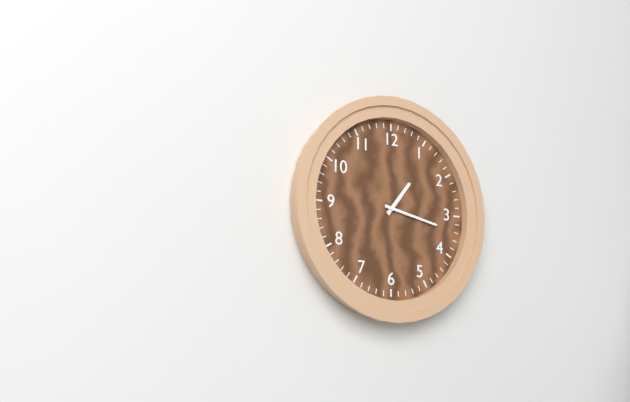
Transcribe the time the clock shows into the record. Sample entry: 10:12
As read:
1:17
